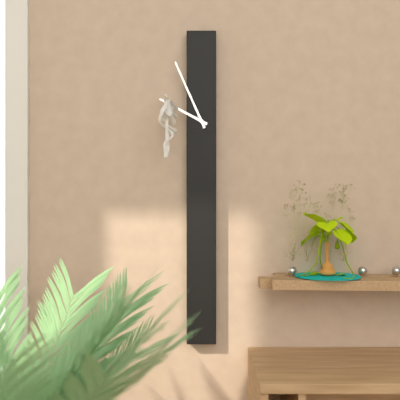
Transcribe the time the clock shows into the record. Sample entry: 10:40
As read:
9:56
